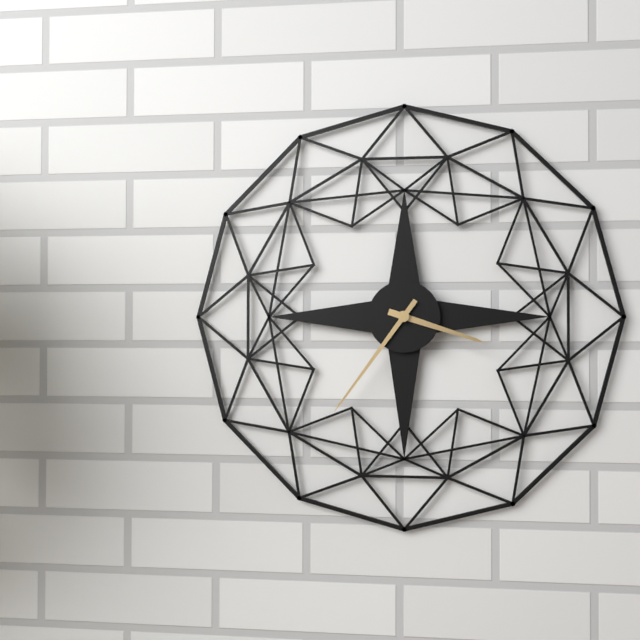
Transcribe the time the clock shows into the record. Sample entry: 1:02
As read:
3:36
